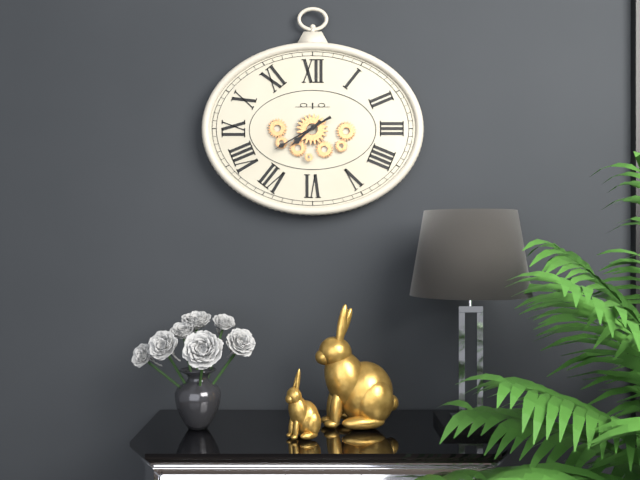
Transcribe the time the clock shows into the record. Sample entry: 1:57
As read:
7:40
